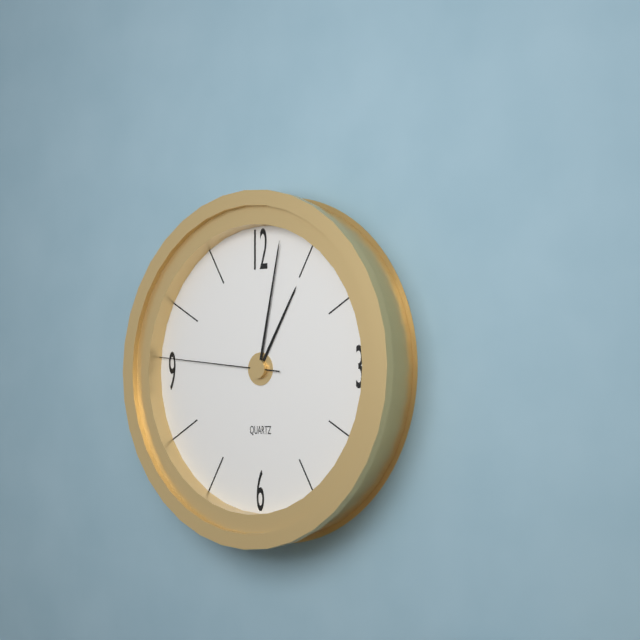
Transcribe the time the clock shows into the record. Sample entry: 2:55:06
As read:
1:02:46
